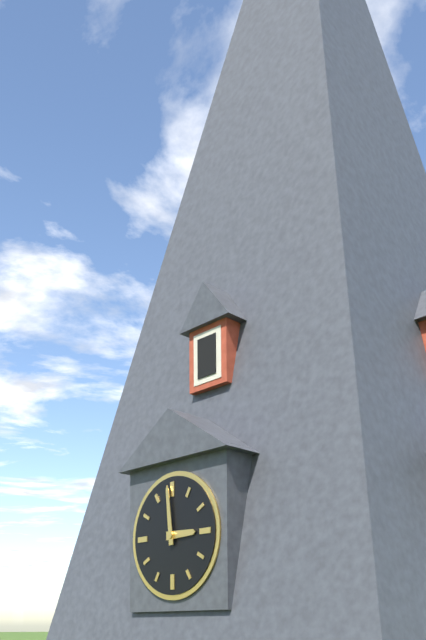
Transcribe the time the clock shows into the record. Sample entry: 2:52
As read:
2:59
